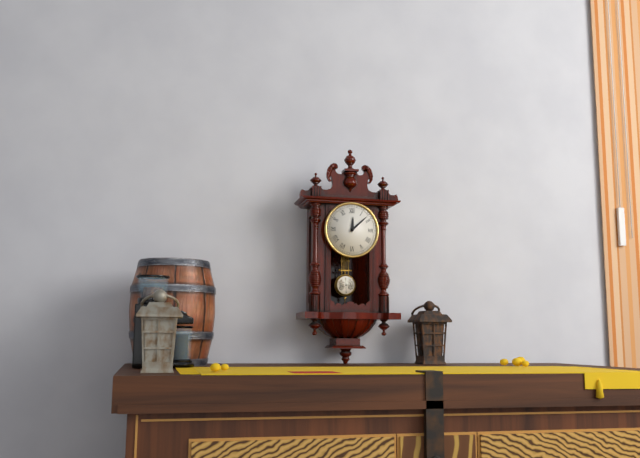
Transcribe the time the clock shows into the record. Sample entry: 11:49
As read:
12:08
